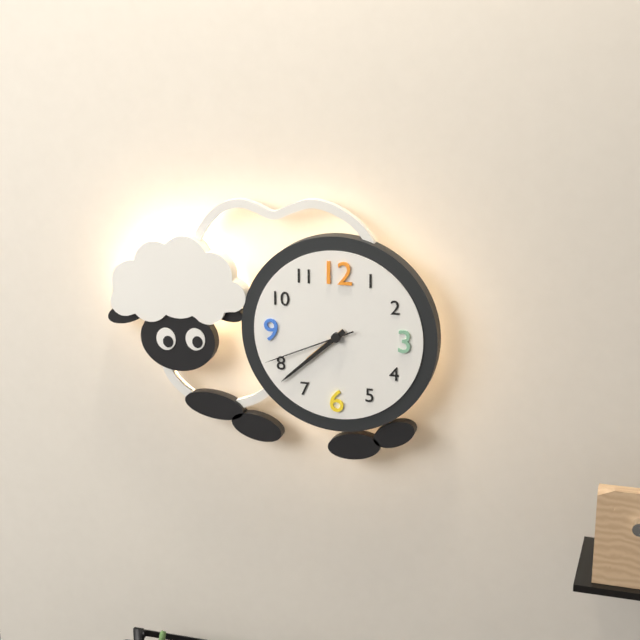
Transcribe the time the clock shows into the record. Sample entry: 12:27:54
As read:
7:38:41
